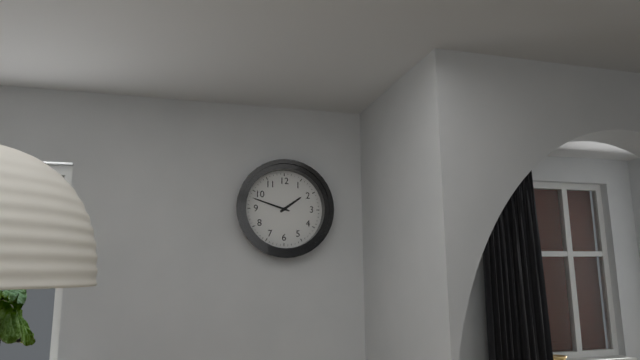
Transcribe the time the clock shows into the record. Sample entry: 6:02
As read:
1:48
